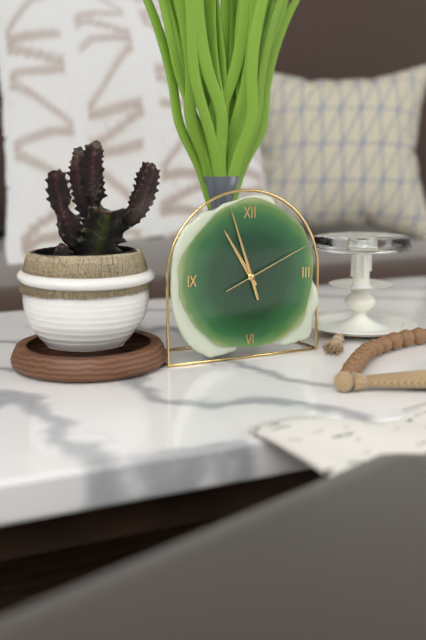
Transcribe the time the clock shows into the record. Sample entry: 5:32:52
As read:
10:57:11
